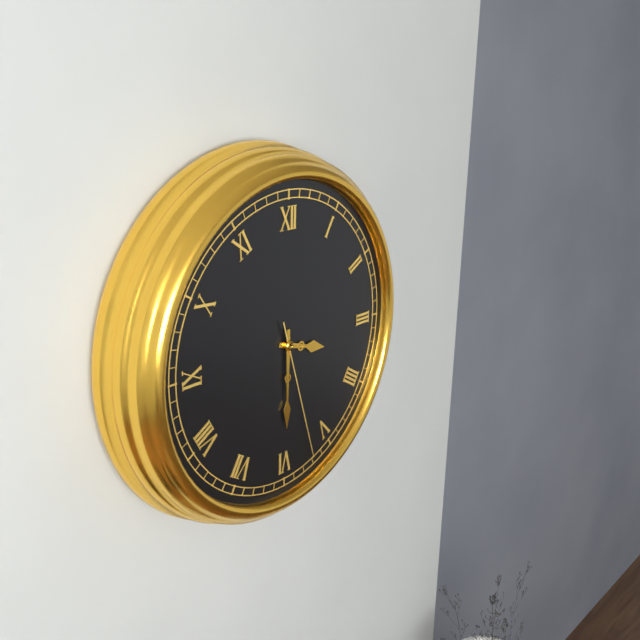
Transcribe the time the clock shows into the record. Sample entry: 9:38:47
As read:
3:30:27
